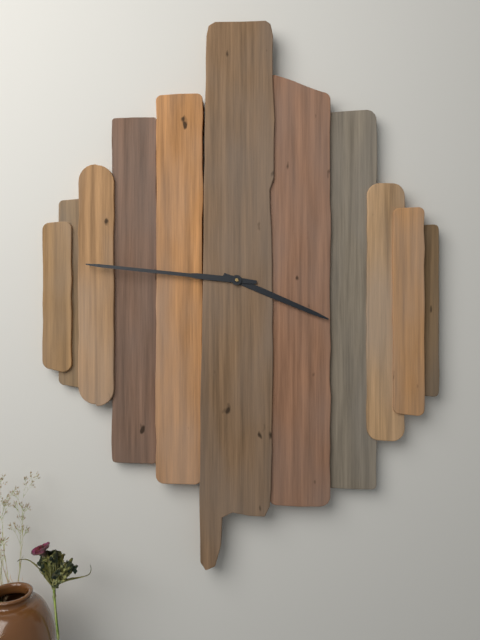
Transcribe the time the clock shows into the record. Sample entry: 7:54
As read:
3:46
